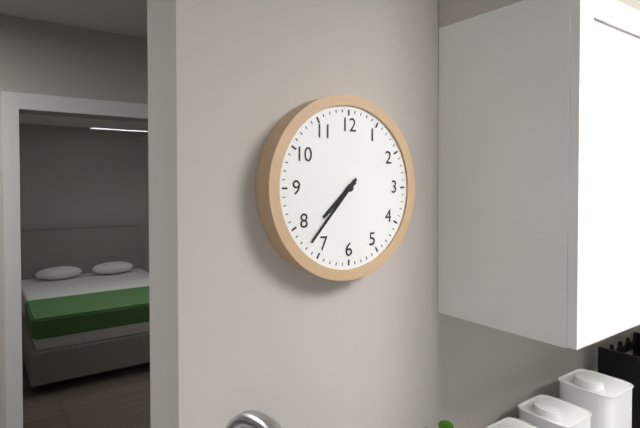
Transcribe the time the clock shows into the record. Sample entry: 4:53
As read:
7:37
